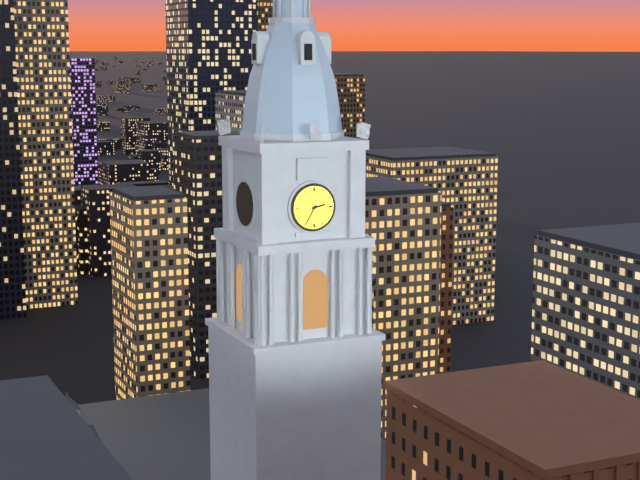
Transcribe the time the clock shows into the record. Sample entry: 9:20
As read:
2:35
